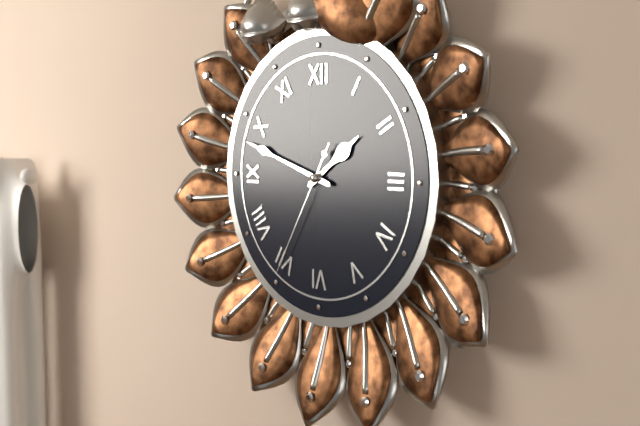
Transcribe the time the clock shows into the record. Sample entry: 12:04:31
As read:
1:48:35
